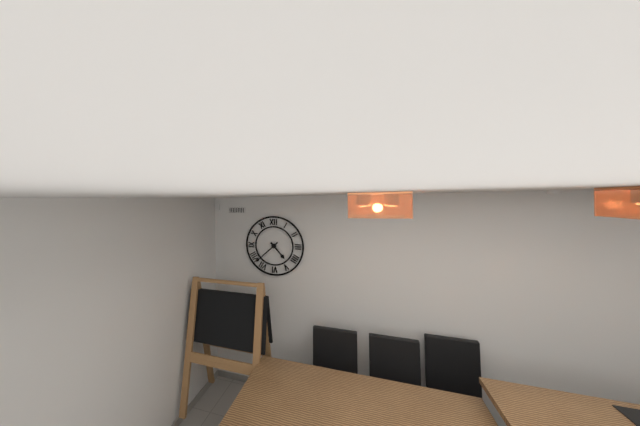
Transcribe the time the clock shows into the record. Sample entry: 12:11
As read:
4:38
